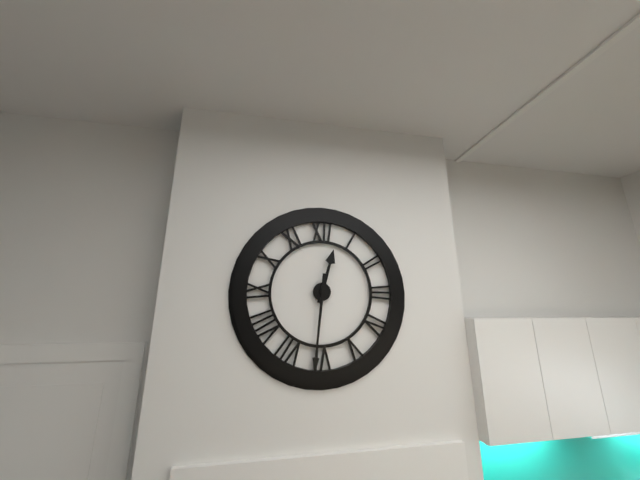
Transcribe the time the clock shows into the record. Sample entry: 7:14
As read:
12:31
